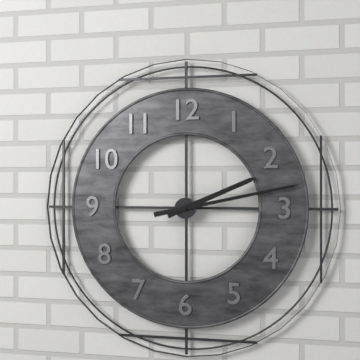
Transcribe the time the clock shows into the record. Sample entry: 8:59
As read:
2:13
